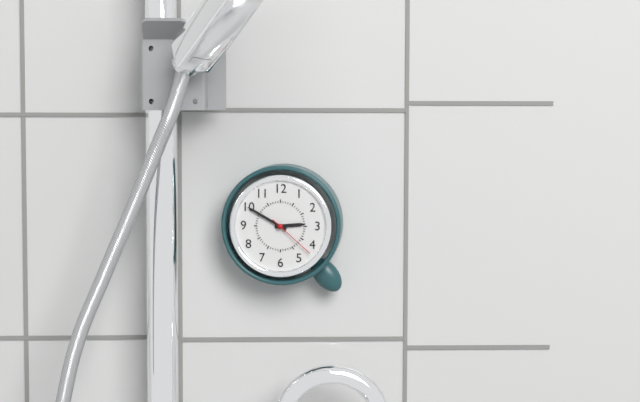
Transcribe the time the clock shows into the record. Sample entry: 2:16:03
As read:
2:50:22
